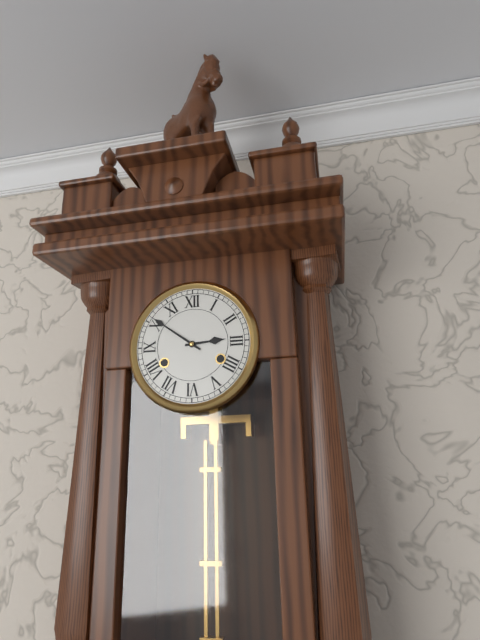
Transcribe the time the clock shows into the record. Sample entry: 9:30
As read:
2:51
